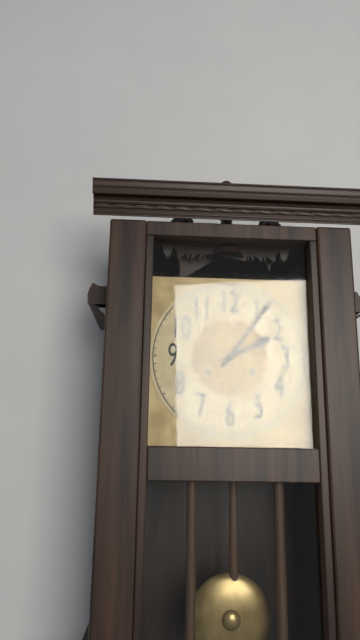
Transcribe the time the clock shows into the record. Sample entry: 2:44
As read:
2:06
